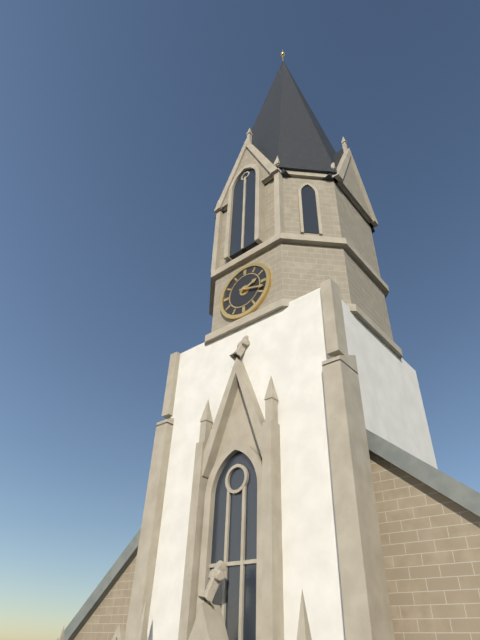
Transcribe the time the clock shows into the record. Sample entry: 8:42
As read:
2:18
